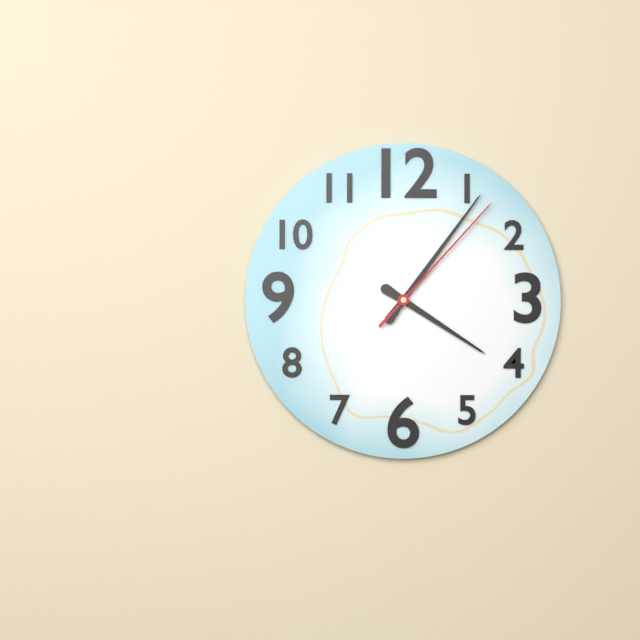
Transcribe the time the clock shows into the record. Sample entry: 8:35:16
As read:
4:06:07
